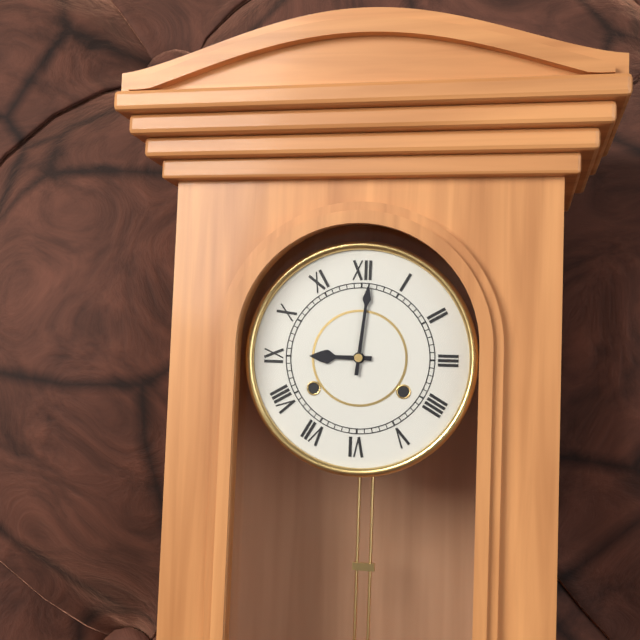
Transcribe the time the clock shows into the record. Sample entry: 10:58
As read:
9:01
